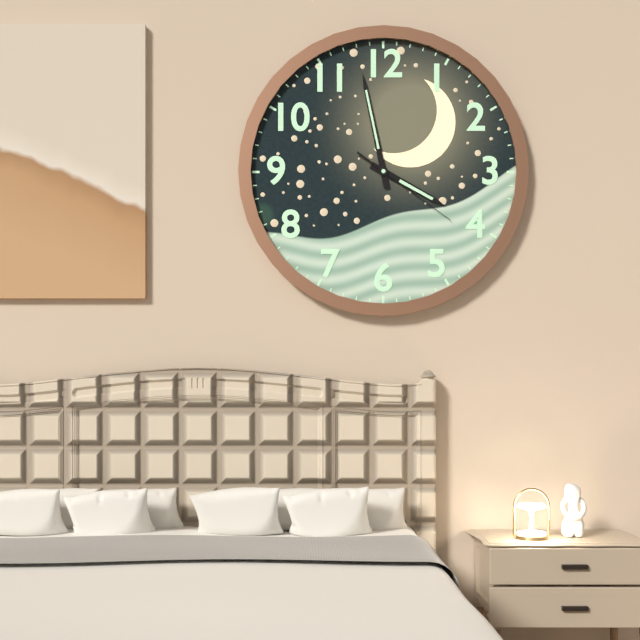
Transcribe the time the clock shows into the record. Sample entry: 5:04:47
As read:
3:58:21
